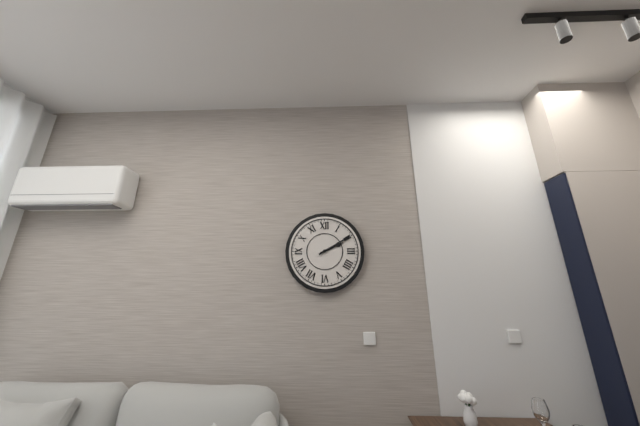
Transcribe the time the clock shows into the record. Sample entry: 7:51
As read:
2:10
